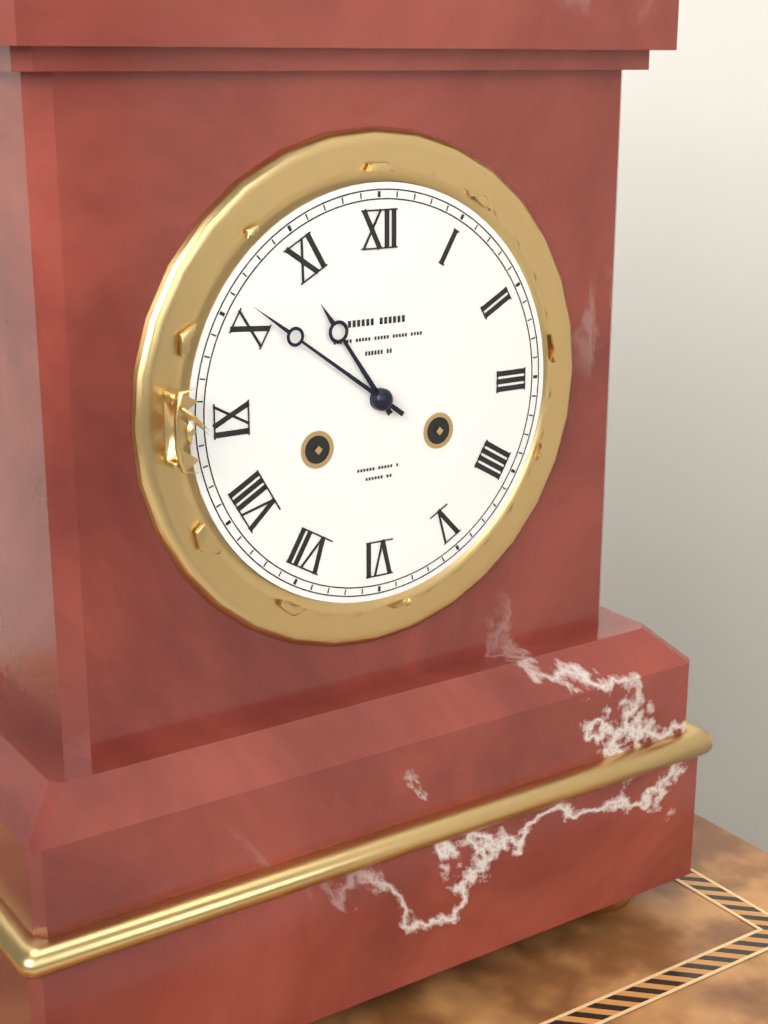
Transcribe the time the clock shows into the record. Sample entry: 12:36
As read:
10:51
